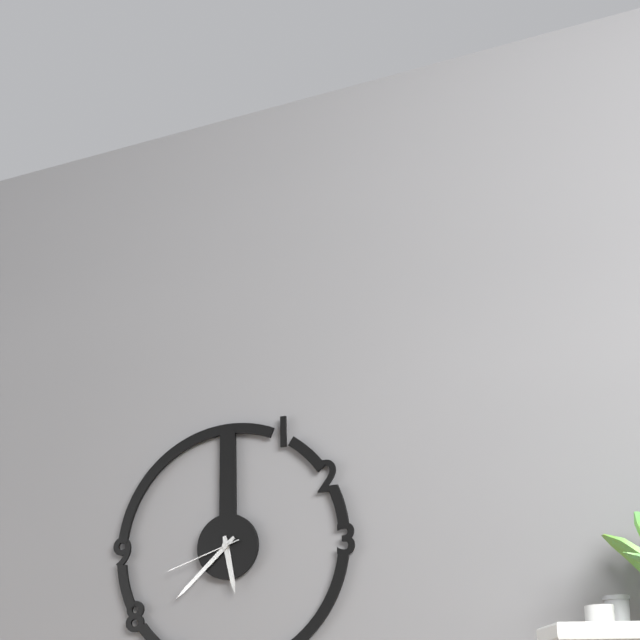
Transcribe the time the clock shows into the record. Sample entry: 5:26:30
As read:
5:38:42
